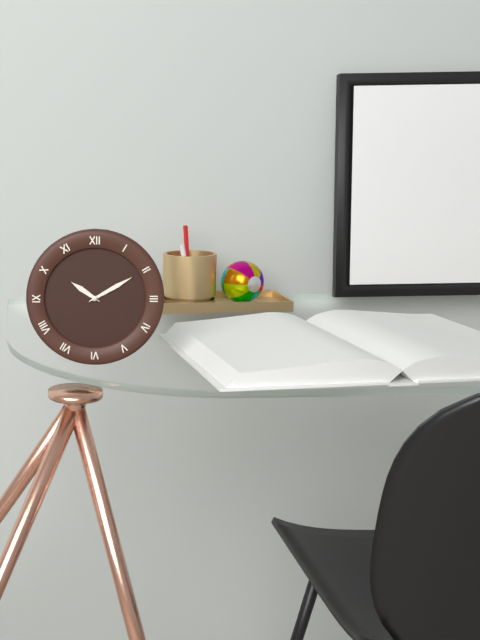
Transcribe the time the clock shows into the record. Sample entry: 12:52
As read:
10:10
